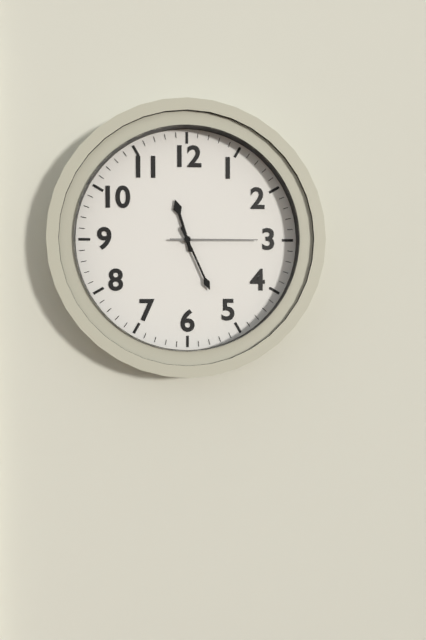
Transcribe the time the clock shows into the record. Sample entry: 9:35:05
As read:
11:26:15
